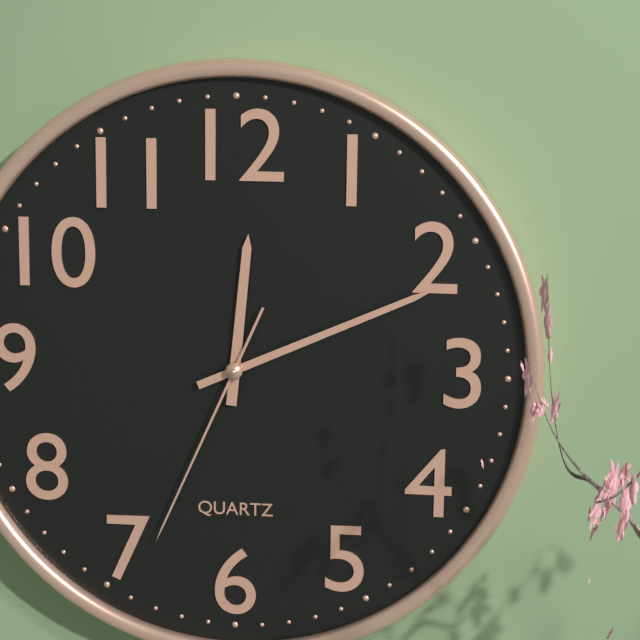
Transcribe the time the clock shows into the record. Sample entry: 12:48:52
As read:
12:11:34
